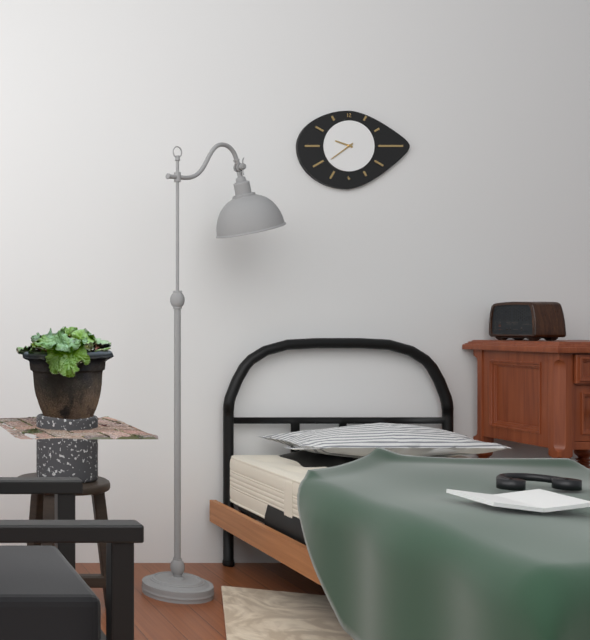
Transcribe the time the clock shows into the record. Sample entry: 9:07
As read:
9:39
